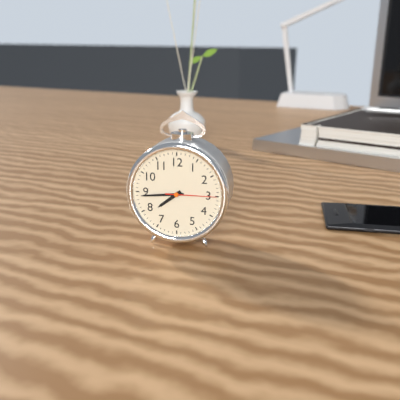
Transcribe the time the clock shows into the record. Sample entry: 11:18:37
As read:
7:44:15
